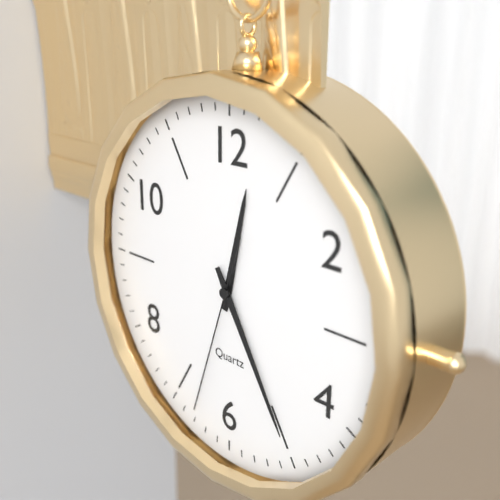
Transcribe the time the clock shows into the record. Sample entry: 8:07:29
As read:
12:25:33
